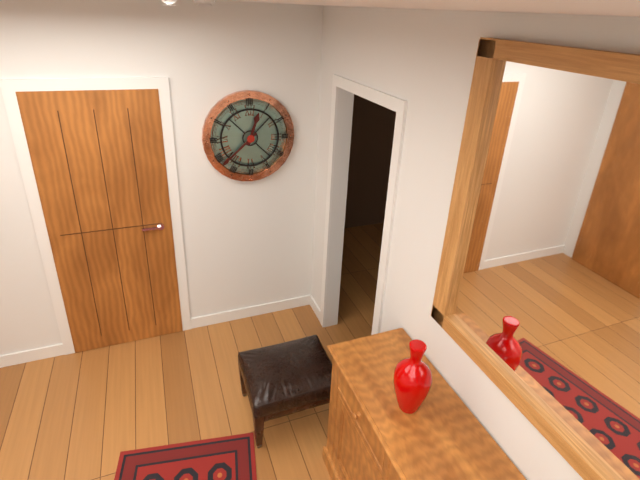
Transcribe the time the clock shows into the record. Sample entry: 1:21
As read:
12:38
